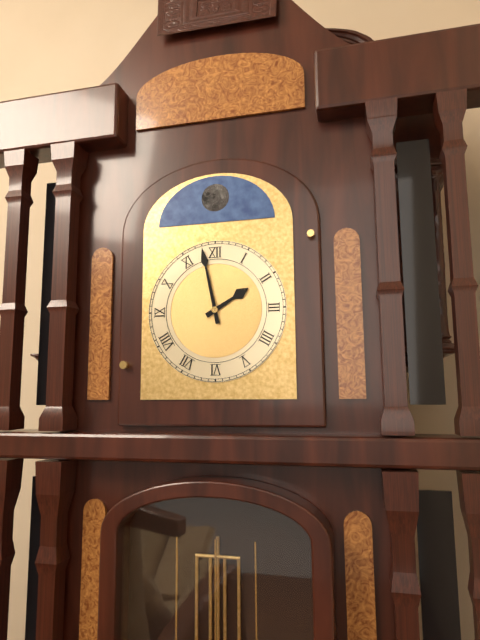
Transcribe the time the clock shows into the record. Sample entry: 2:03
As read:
1:58
